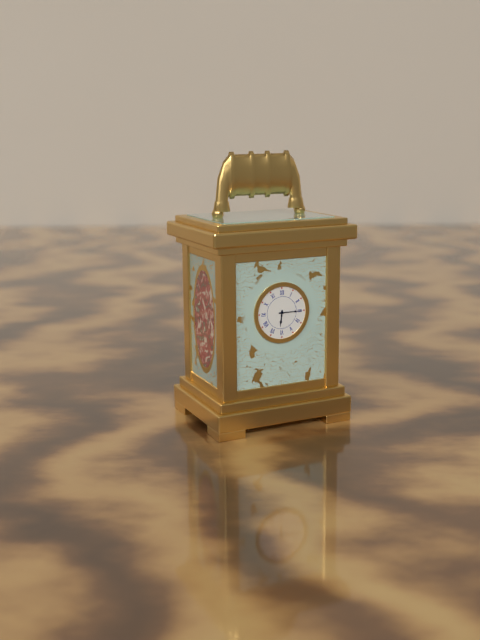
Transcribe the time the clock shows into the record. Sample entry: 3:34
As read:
6:15
